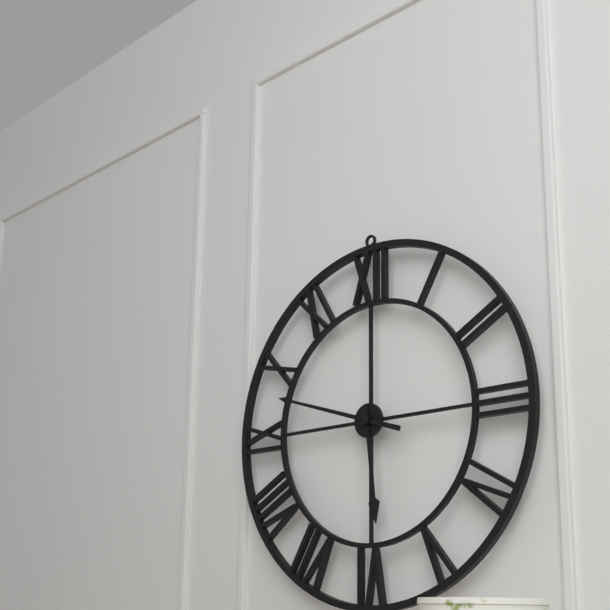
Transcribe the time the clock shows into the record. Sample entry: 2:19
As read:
5:48
